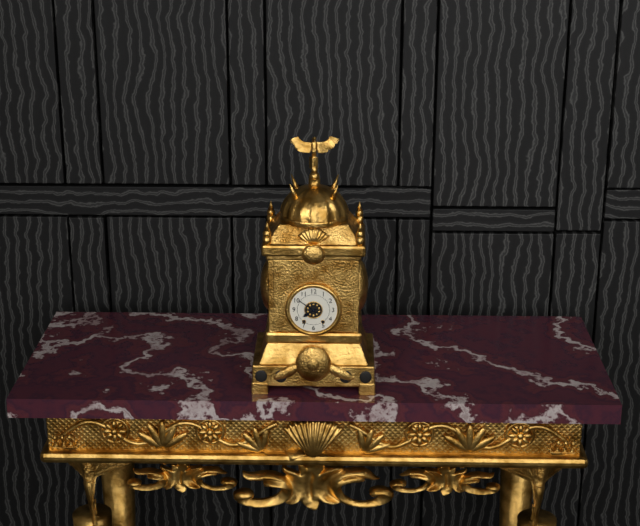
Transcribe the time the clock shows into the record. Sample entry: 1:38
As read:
7:51
